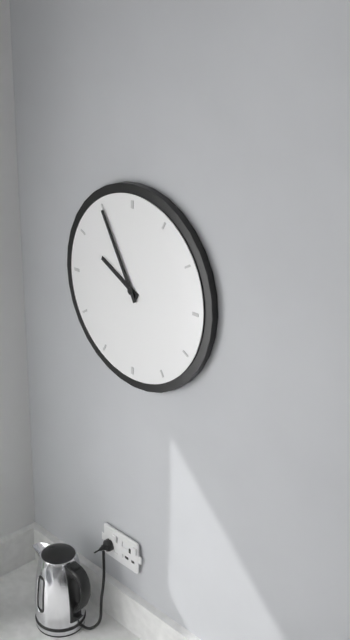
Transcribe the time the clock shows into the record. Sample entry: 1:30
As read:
9:55
